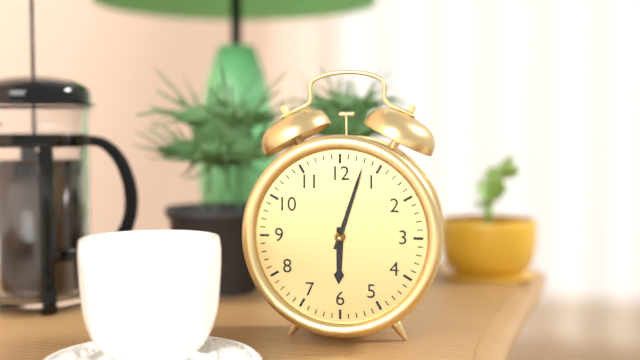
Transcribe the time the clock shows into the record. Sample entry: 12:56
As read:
6:03
